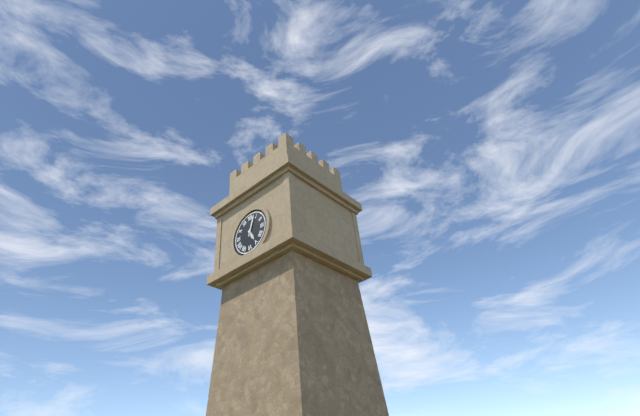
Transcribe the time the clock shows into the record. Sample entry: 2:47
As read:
5:03
